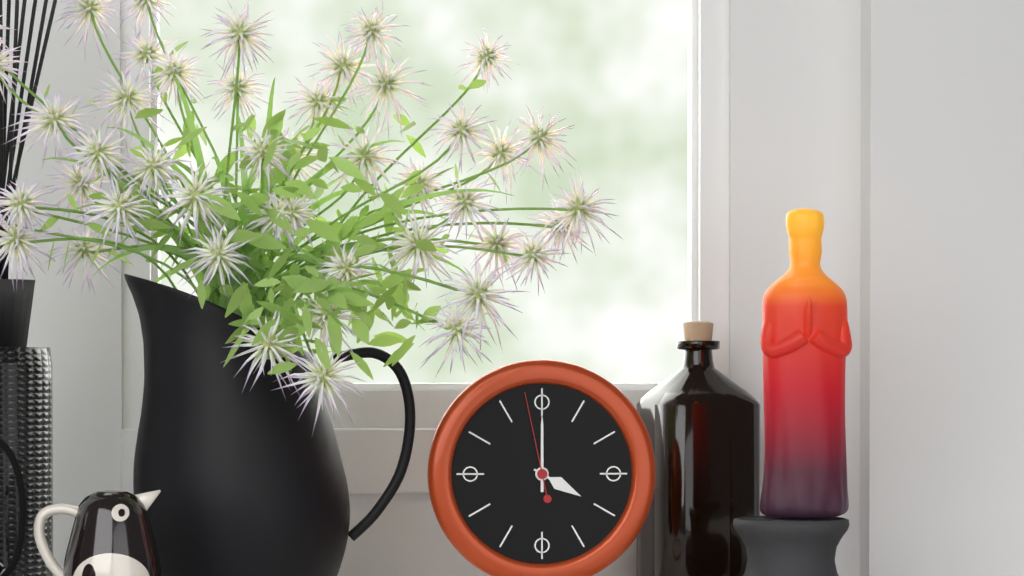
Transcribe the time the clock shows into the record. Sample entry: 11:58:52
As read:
4:00:58
